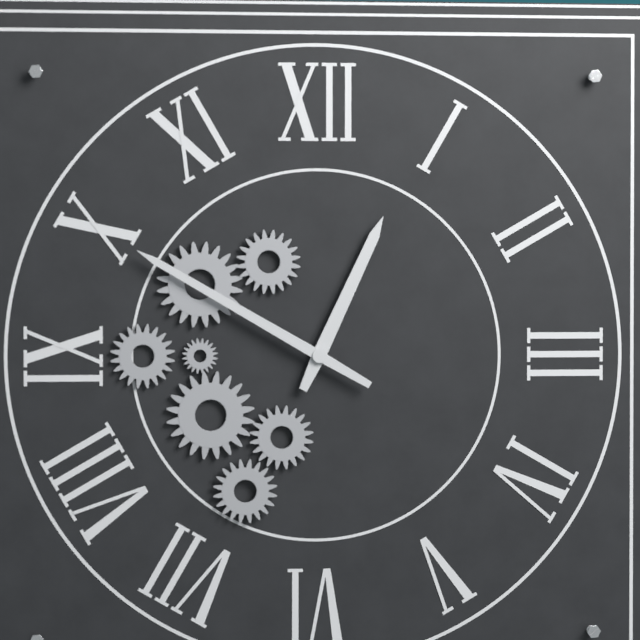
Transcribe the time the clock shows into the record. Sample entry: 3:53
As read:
12:50
